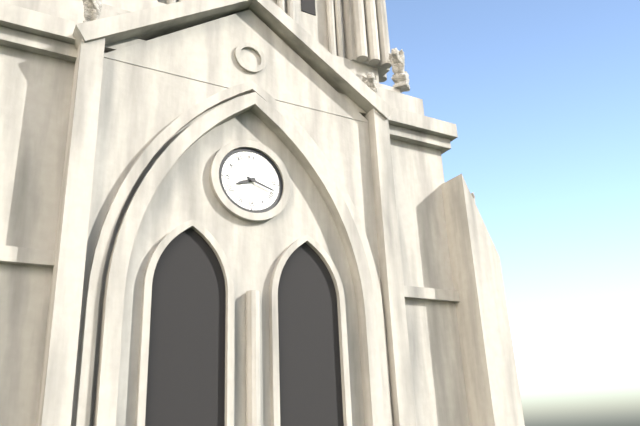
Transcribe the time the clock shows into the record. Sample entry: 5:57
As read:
8:18
